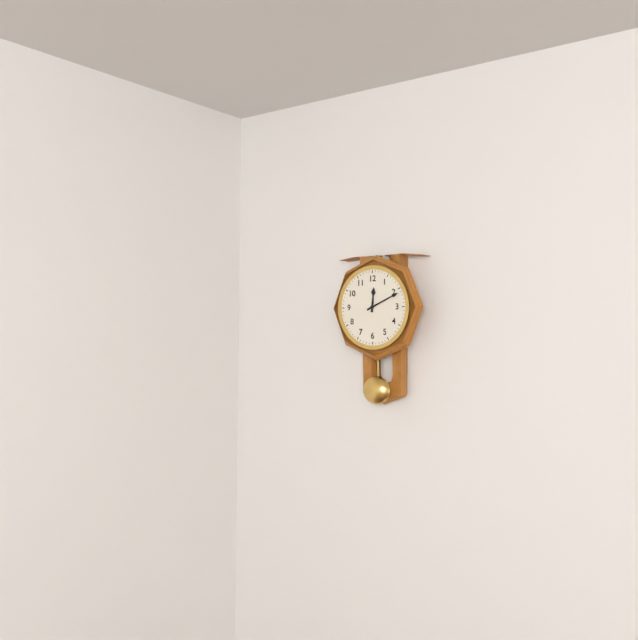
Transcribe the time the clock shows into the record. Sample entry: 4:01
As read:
12:11
